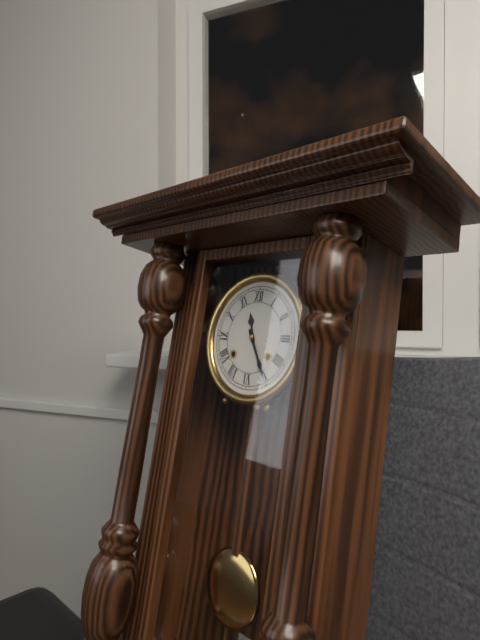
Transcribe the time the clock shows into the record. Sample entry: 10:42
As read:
11:25
